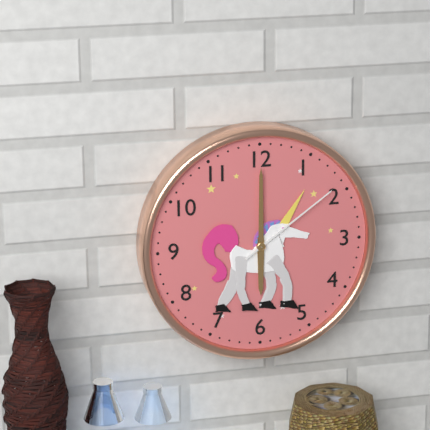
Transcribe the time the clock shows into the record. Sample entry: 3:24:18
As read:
6:00:09
